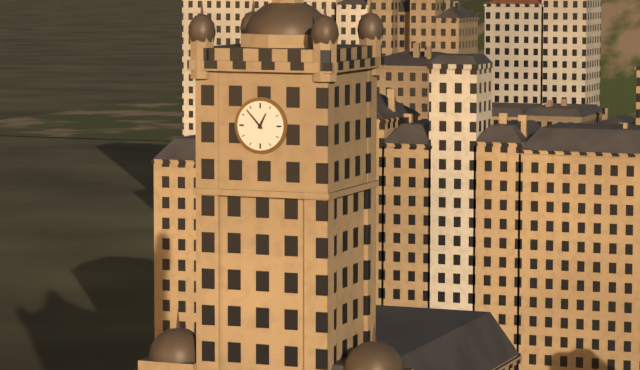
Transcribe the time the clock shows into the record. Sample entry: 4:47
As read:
12:53
